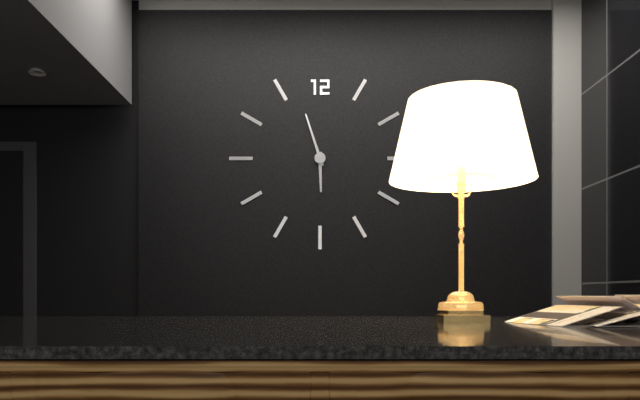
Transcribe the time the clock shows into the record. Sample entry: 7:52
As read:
5:57
